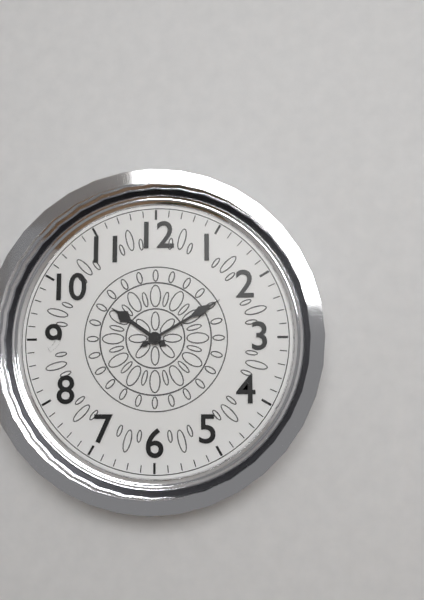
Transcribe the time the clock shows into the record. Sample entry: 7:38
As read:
10:10
